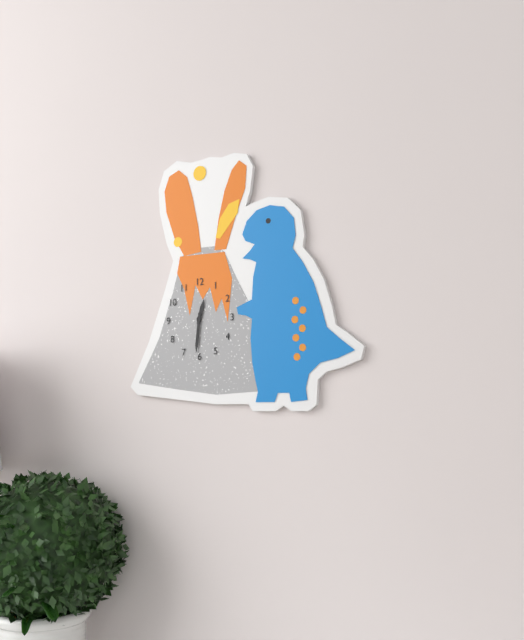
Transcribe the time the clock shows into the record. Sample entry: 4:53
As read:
12:31
